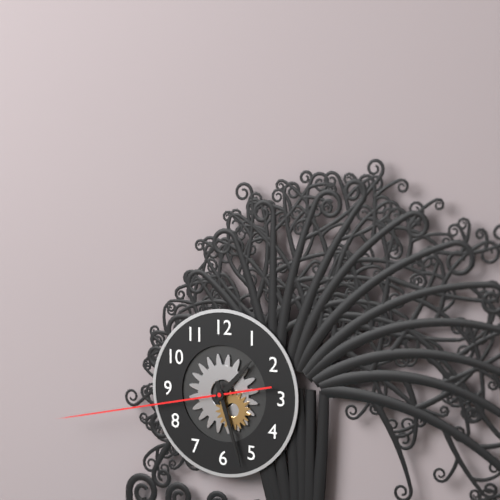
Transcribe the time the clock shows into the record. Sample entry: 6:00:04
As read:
1:27:43
